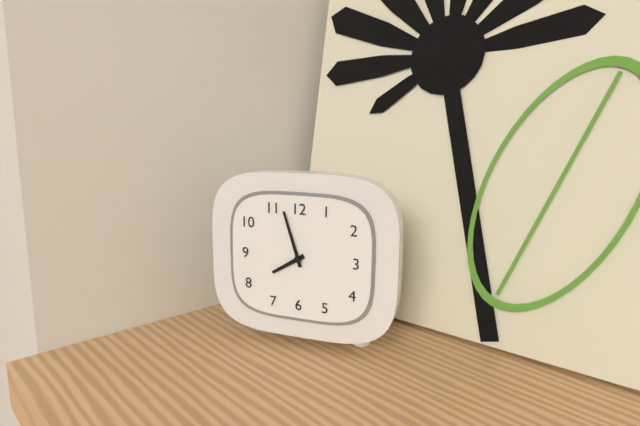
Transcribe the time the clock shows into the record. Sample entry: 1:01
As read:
7:57
